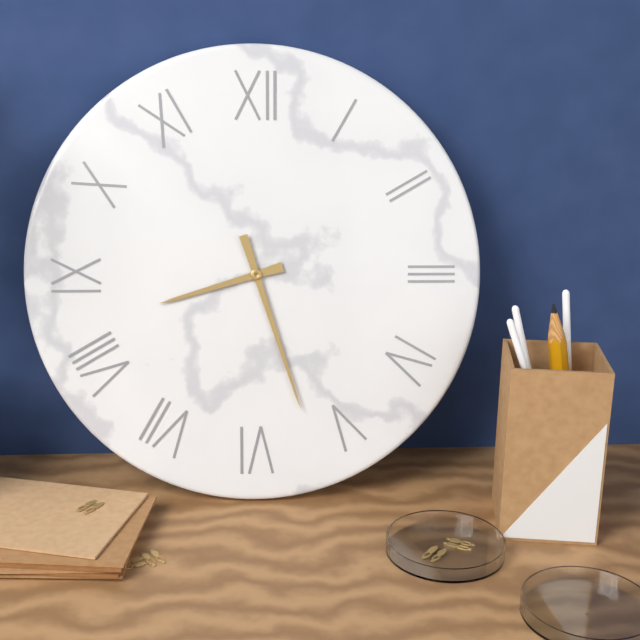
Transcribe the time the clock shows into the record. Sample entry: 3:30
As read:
8:27
